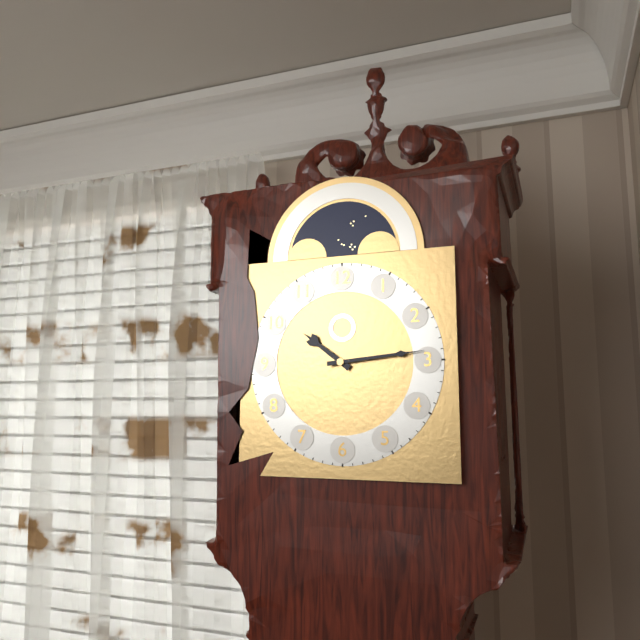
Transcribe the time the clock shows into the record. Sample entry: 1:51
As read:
10:14
